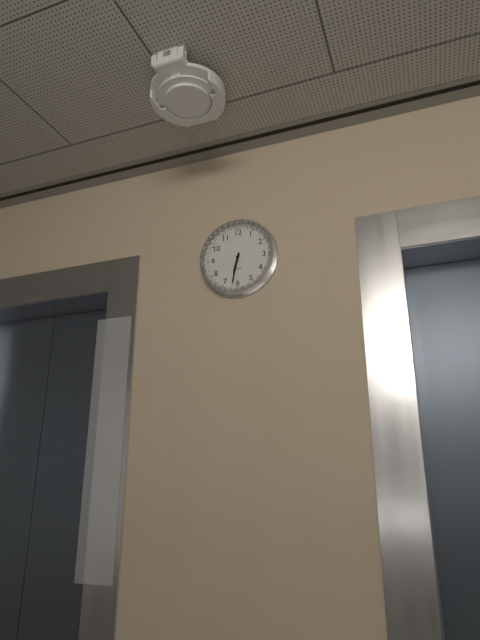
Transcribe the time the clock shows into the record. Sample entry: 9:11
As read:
6:32
